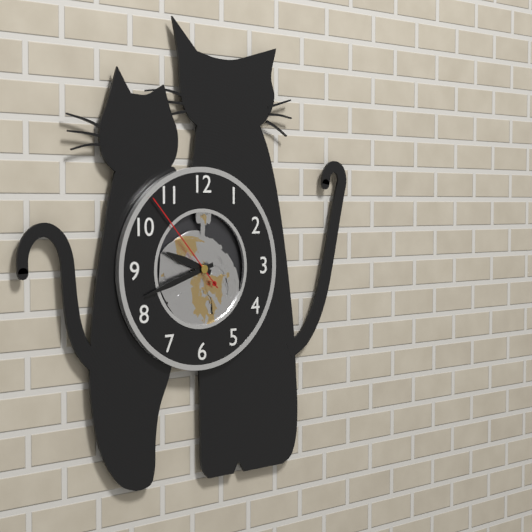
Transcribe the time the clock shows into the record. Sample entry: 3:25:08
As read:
9:42:53
